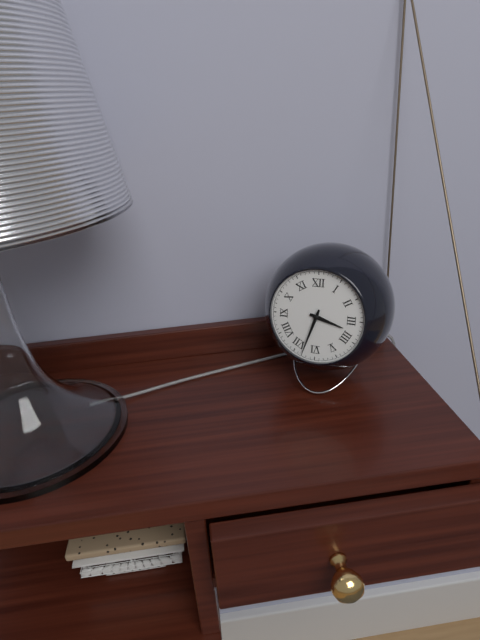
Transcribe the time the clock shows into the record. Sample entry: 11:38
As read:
3:33
